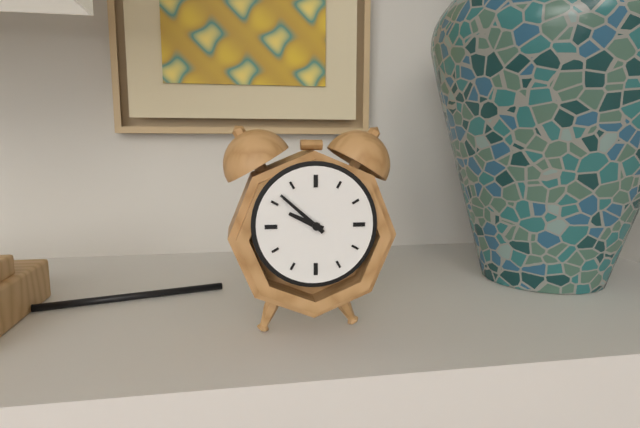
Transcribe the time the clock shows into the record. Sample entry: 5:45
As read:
9:52
